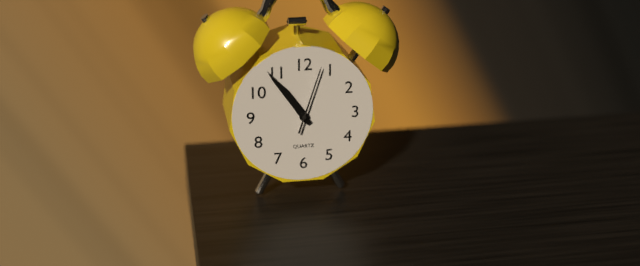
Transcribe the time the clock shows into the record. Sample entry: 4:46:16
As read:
10:54:03
